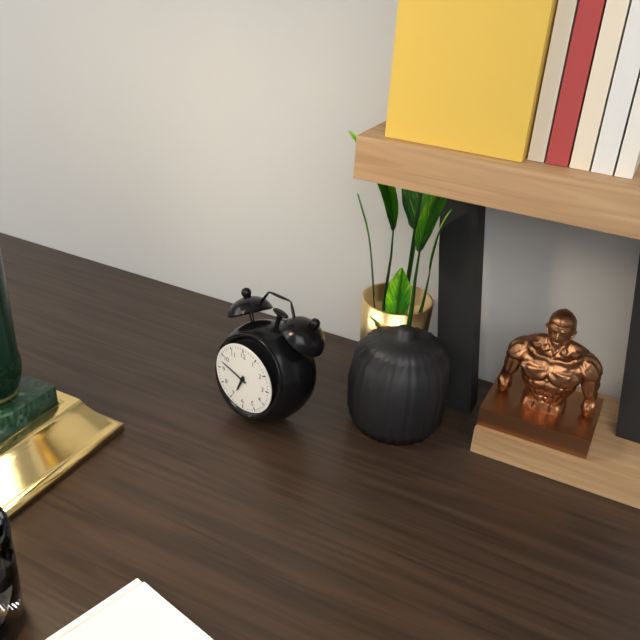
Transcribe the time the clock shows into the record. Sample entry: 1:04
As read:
6:48
